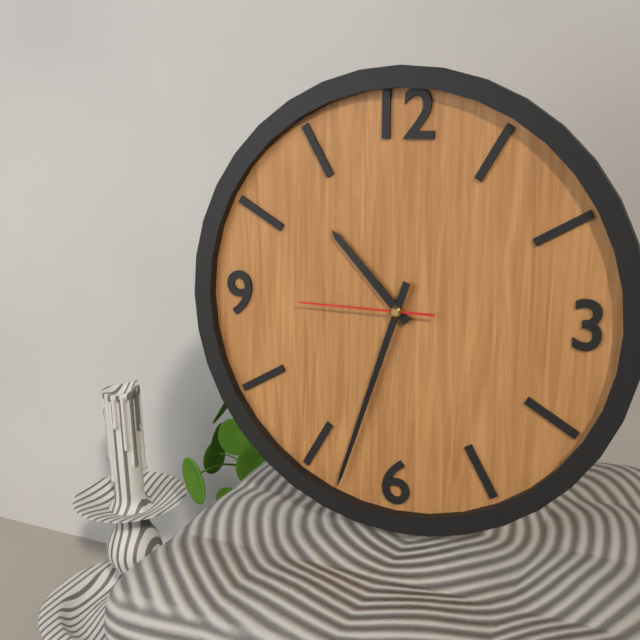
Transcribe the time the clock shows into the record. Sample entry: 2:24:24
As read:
10:33:45
